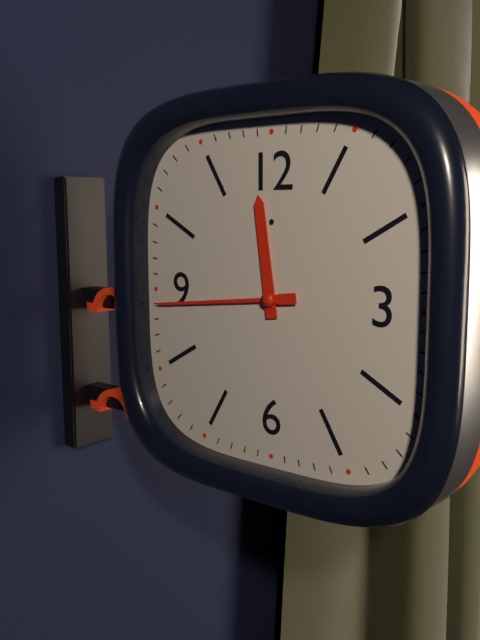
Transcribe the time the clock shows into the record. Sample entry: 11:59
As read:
11:44
